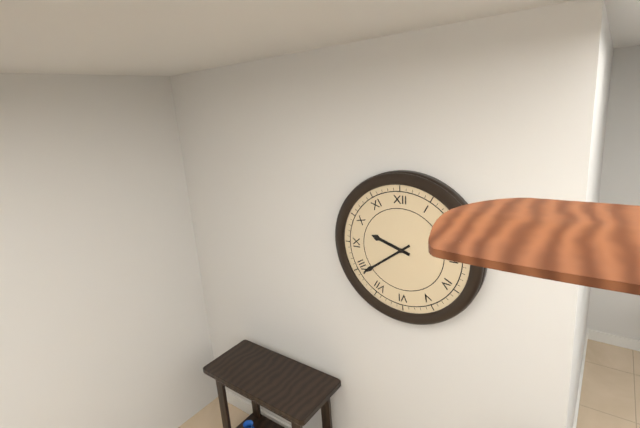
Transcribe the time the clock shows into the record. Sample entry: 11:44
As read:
9:39
